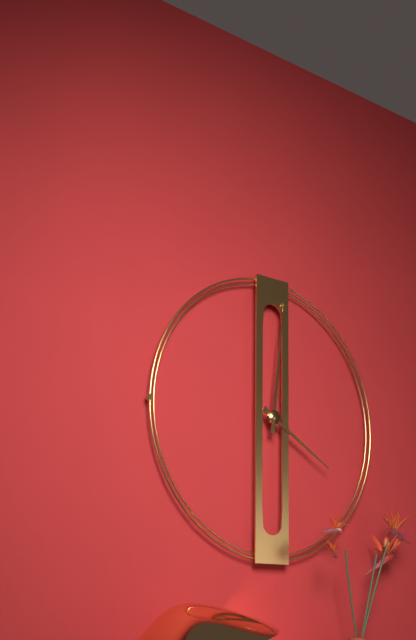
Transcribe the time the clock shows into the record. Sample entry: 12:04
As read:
4:01
